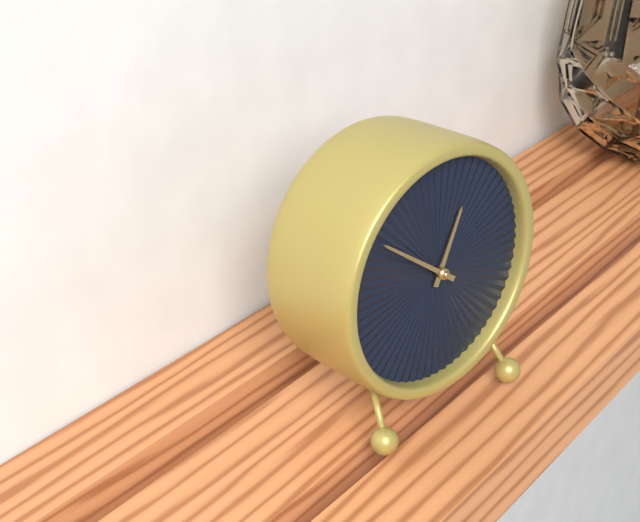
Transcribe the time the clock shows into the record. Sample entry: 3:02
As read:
12:51
